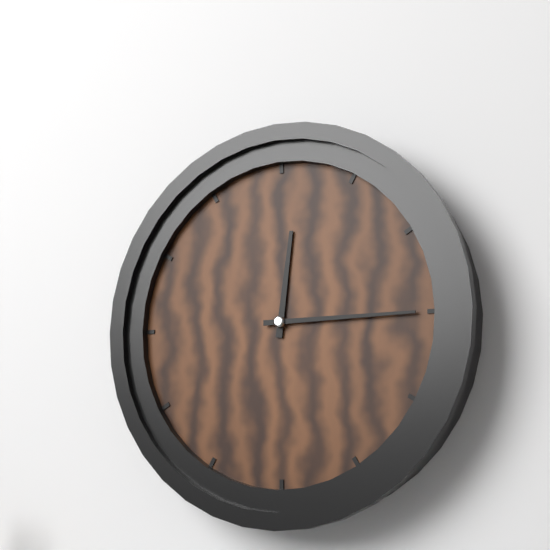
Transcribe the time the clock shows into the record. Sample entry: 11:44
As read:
12:15
